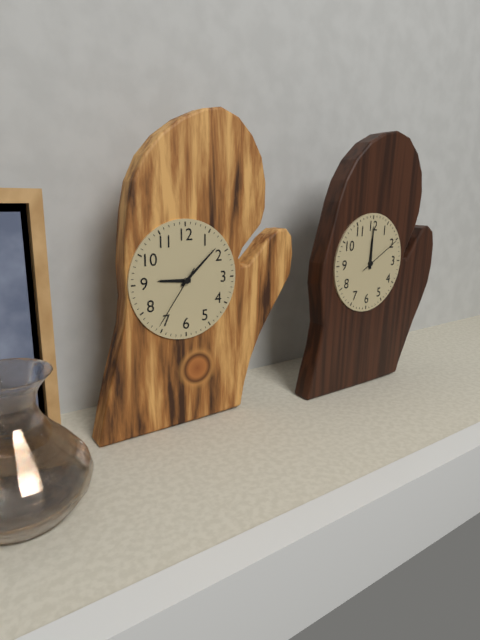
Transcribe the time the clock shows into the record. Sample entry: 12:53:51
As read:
9:08:36
